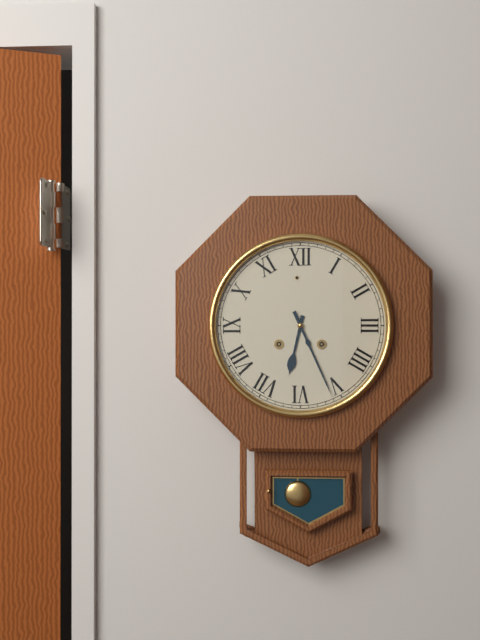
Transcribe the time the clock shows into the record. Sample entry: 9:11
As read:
6:26
